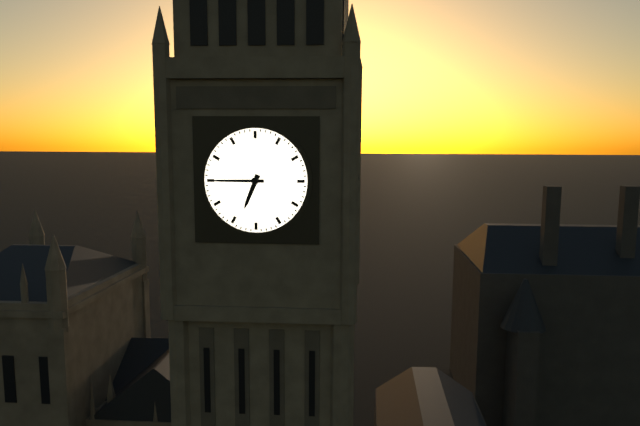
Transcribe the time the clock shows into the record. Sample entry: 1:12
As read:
6:45
